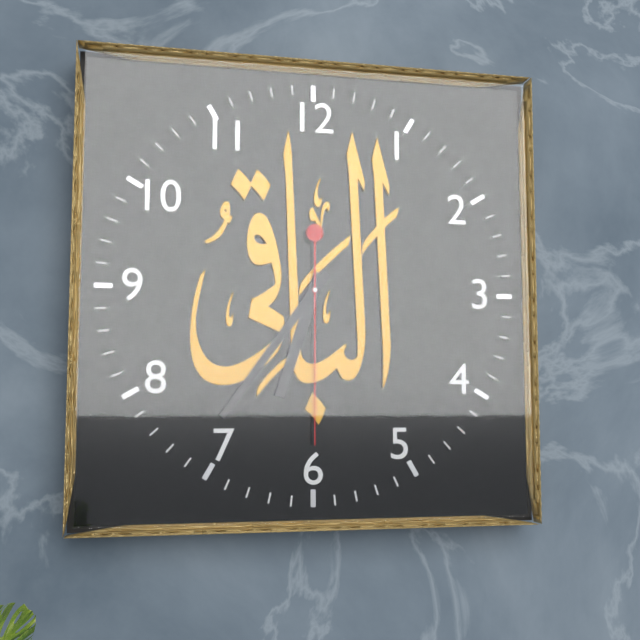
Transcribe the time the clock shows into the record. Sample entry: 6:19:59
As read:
6:36:30
